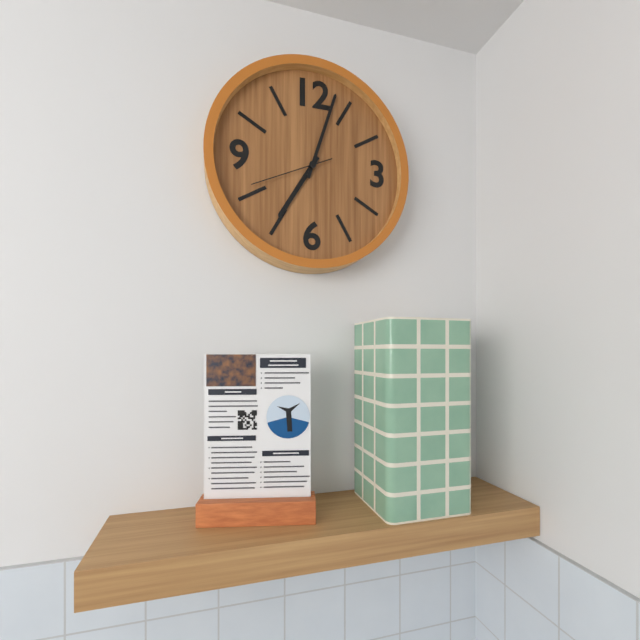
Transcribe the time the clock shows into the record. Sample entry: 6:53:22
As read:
7:03:41
